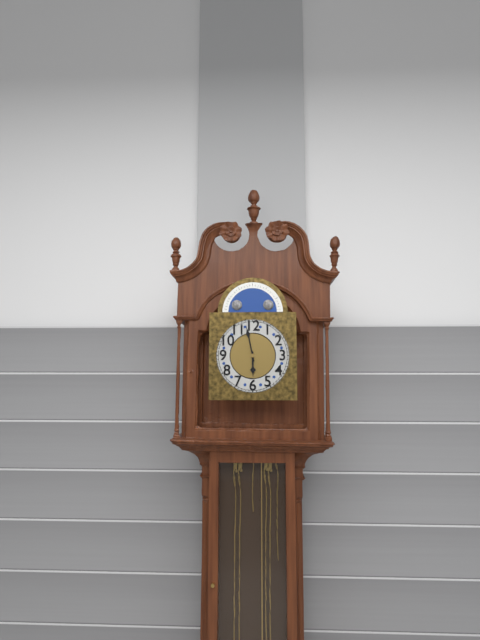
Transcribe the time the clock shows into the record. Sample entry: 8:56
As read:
5:58
